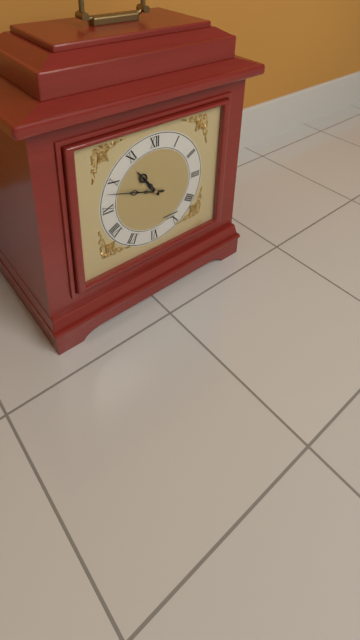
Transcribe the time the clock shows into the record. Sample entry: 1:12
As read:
10:48
